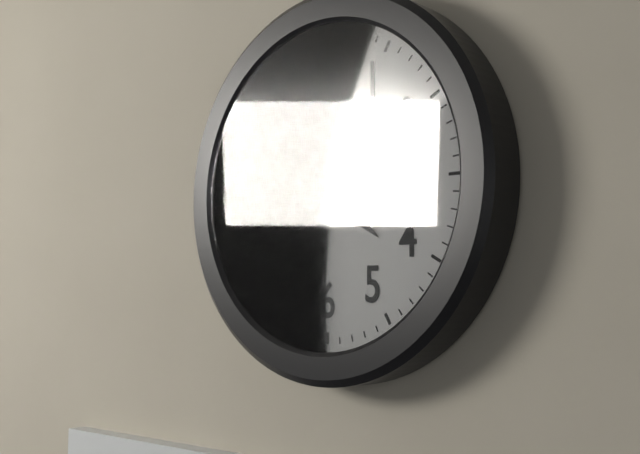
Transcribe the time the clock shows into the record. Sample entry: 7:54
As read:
4:18
